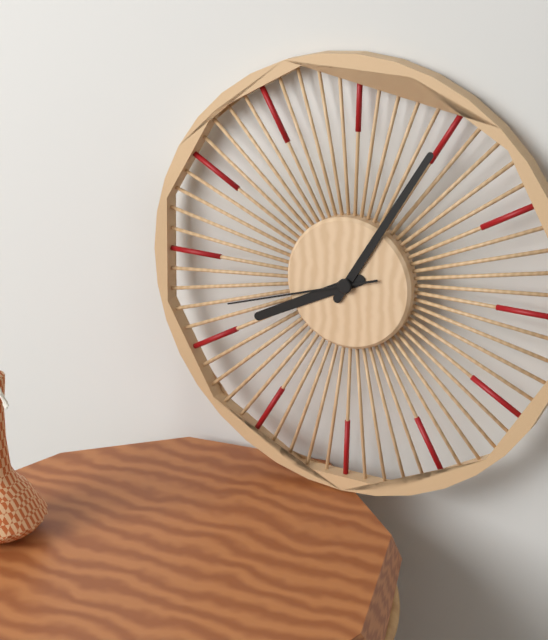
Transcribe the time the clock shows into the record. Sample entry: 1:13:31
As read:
8:05:42
